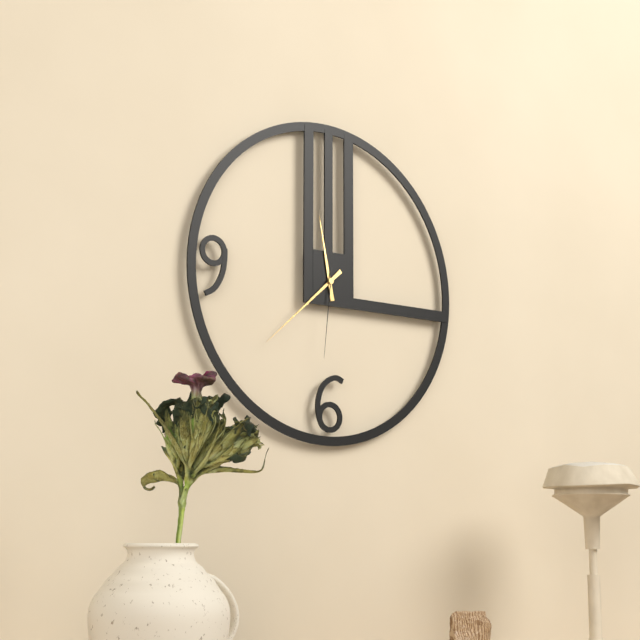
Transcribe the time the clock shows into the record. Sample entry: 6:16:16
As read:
11:38:31
